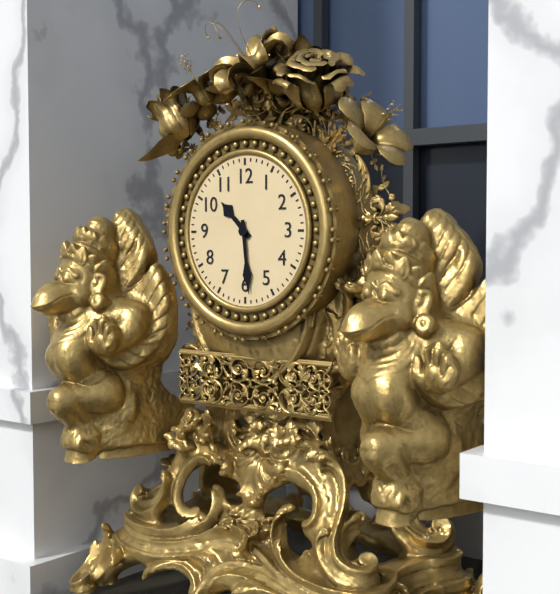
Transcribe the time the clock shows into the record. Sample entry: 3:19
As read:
10:29
